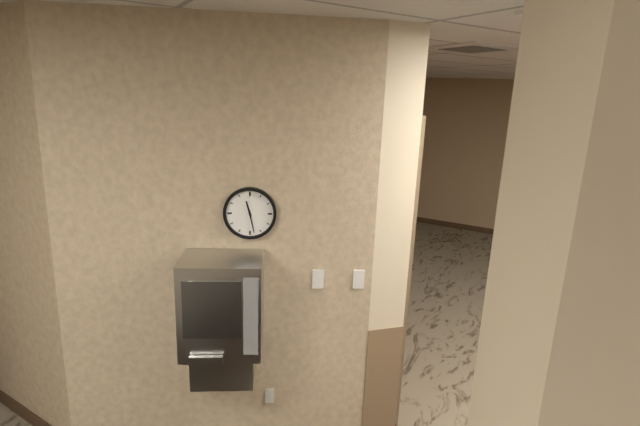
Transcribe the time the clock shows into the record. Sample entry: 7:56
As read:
11:28
